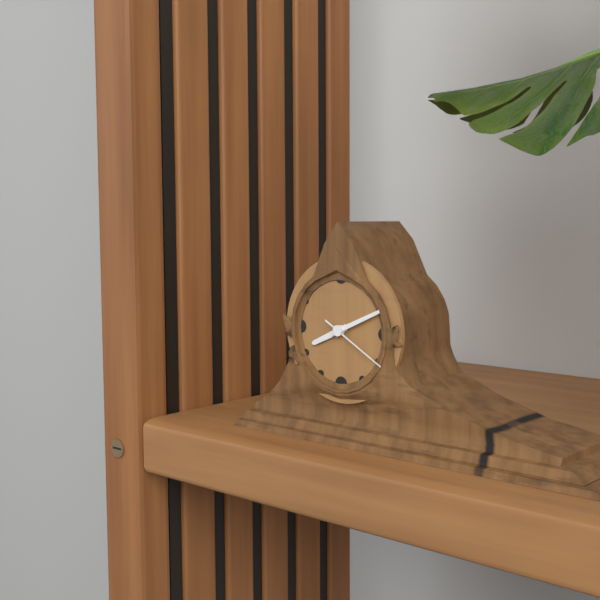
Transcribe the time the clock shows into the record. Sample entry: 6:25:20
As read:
8:11:20
